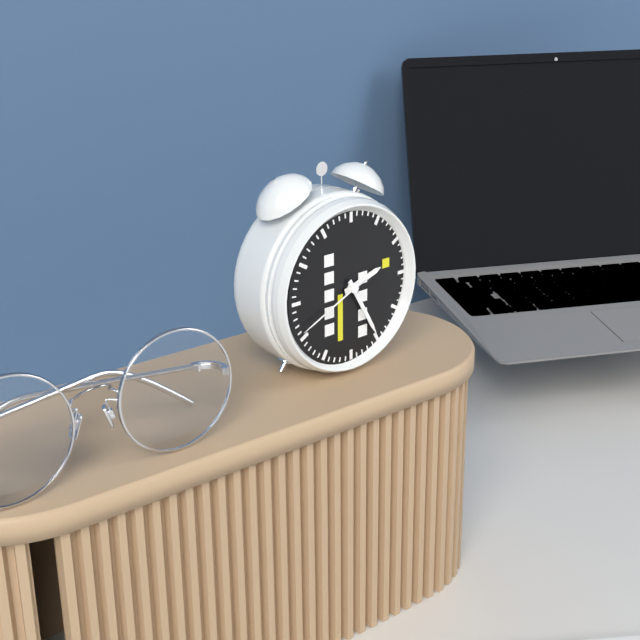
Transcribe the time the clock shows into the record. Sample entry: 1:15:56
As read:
2:25:41
